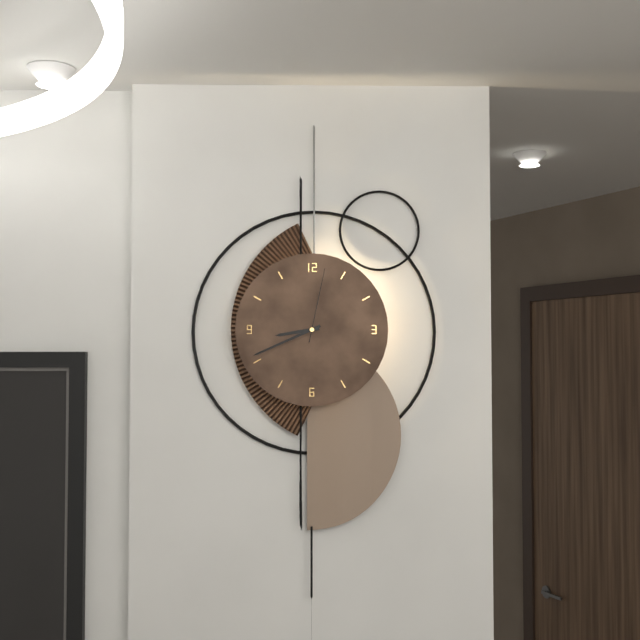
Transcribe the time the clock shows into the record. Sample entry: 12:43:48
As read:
8:41:02
